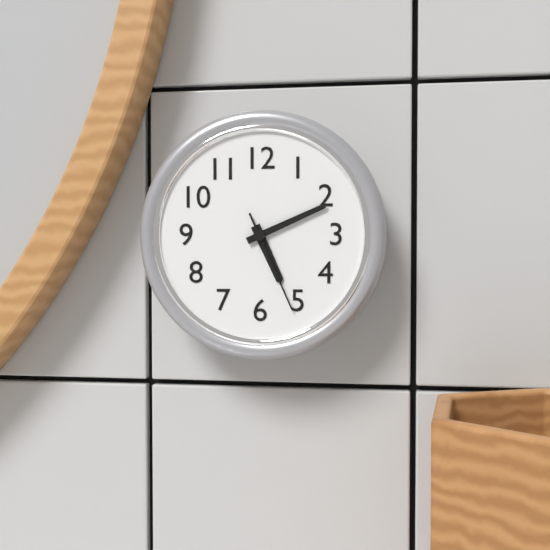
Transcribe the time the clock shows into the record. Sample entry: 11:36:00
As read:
5:11:26
